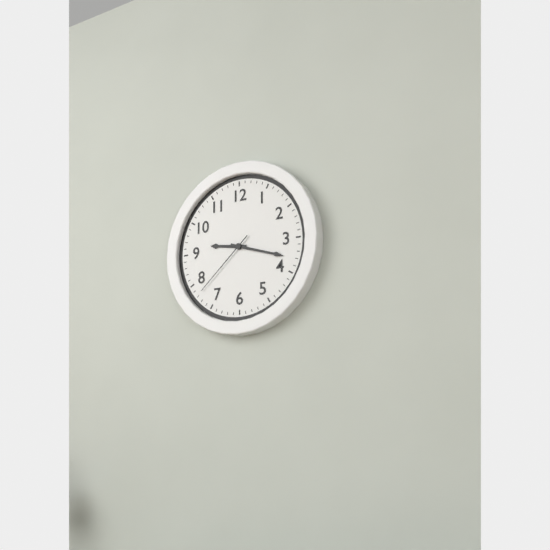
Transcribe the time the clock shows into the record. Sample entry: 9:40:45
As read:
9:18:38
